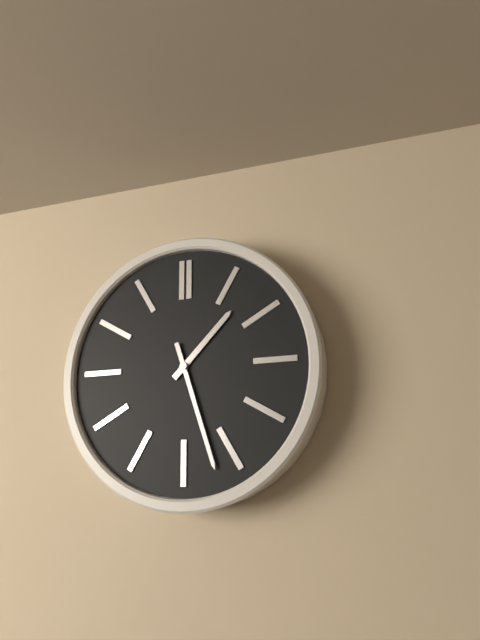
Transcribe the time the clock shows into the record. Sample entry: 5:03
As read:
1:27
